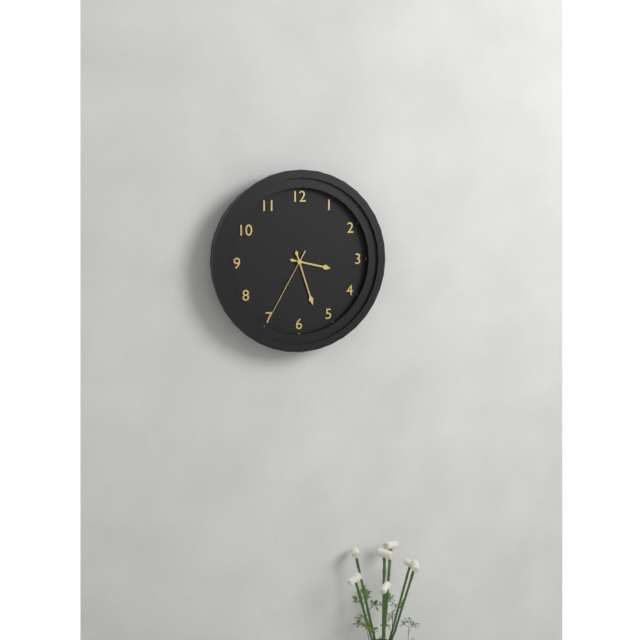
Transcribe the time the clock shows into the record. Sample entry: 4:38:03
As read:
3:27:35
